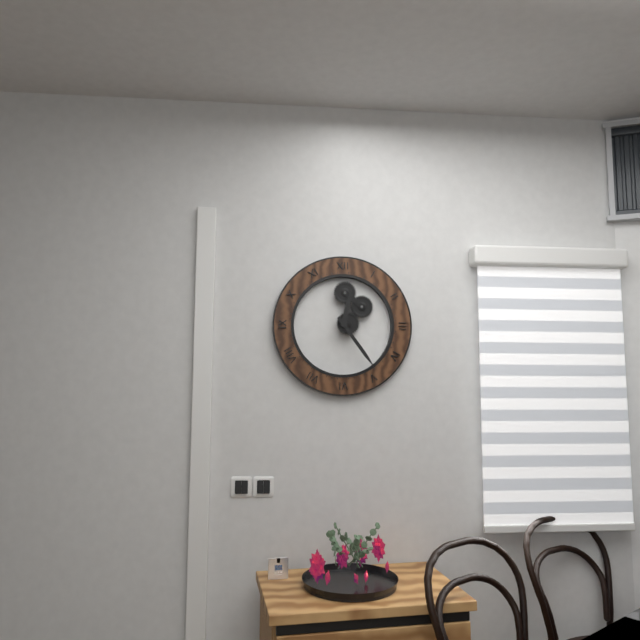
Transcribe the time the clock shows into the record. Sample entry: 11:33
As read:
12:24
